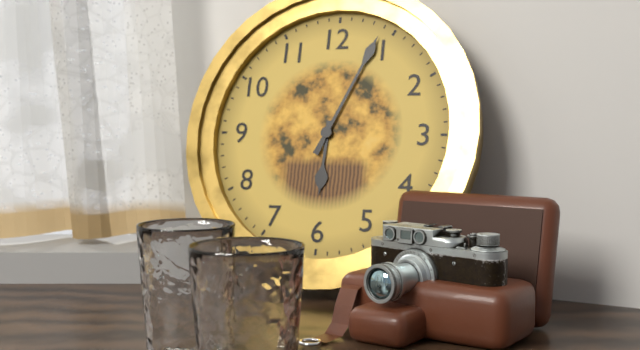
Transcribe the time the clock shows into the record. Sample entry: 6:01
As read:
6:04
